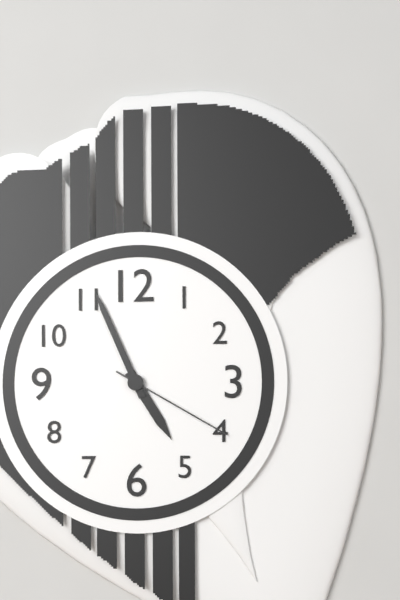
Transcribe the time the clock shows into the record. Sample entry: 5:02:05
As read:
4:56:20
